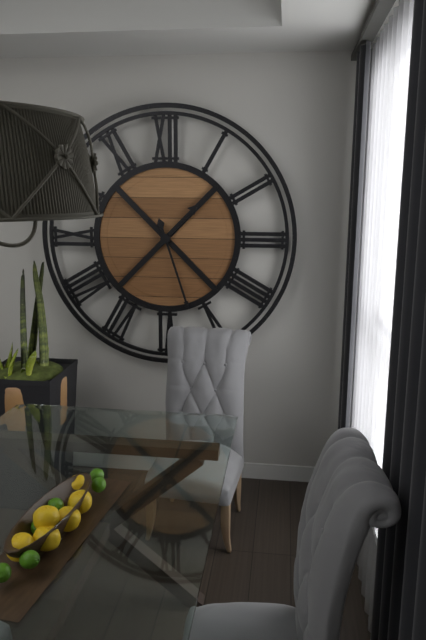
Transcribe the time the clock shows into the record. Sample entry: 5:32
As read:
1:27
